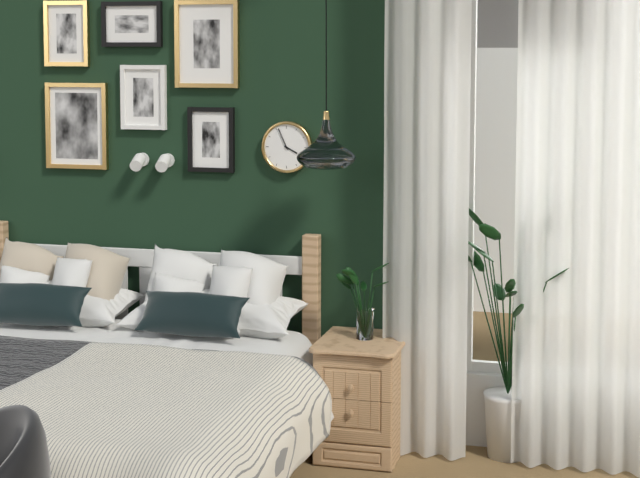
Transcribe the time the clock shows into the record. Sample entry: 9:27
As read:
3:56
